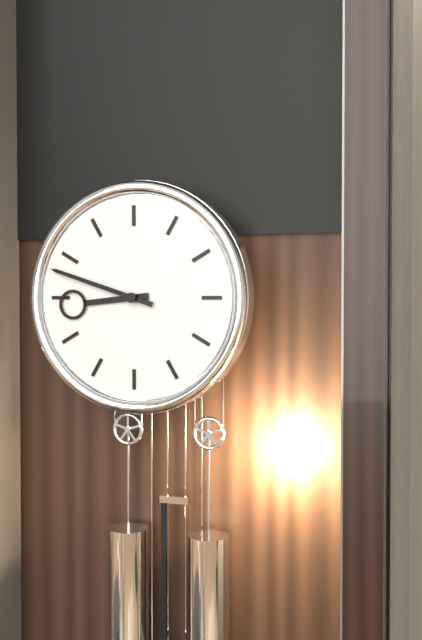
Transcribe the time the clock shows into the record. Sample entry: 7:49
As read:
8:48
